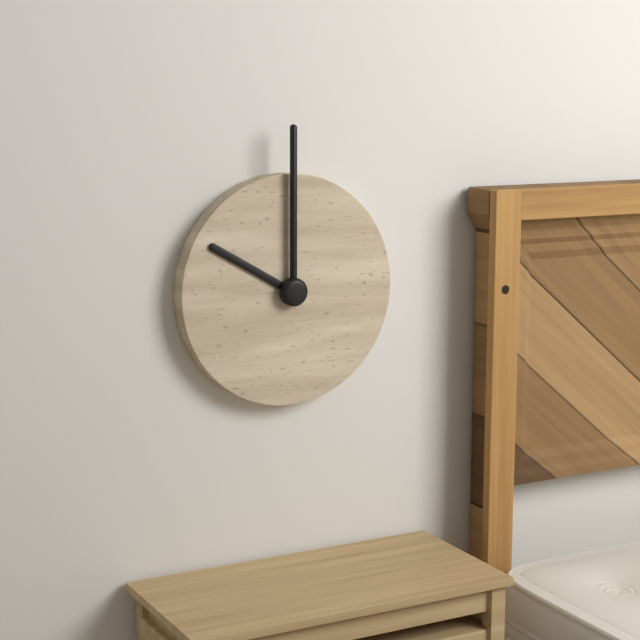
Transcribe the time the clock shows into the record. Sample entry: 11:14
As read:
10:00
